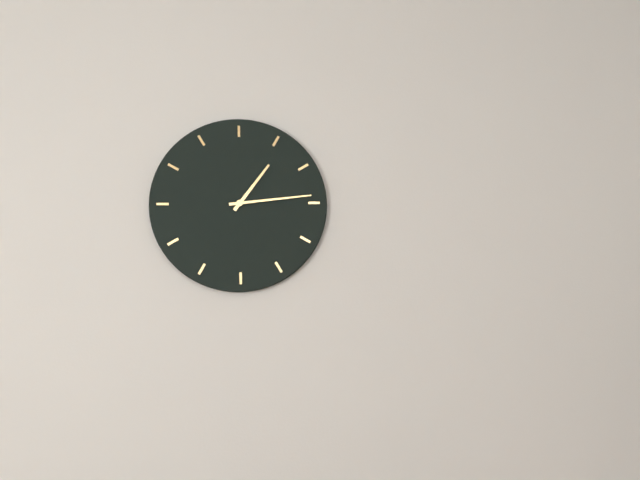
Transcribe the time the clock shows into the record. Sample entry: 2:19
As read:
1:14
